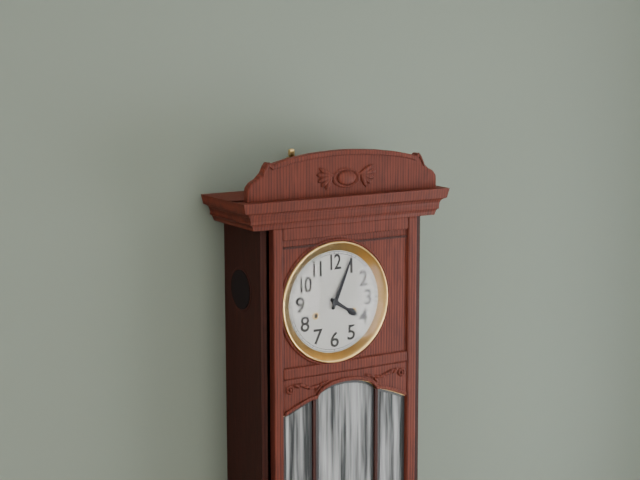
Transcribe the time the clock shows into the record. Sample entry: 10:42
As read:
4:04
